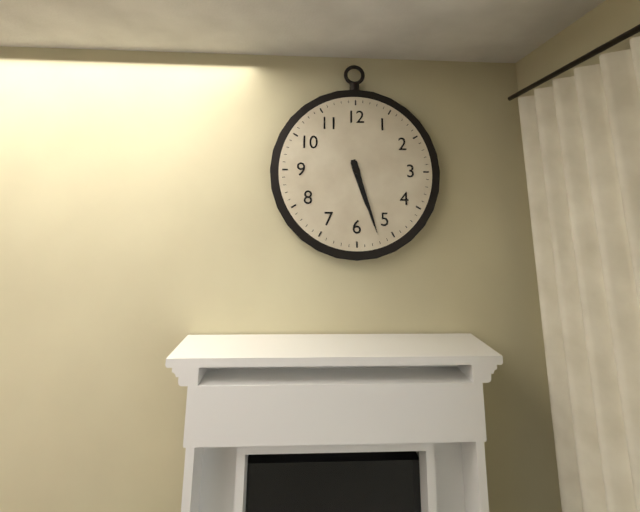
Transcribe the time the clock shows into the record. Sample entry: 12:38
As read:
5:27
